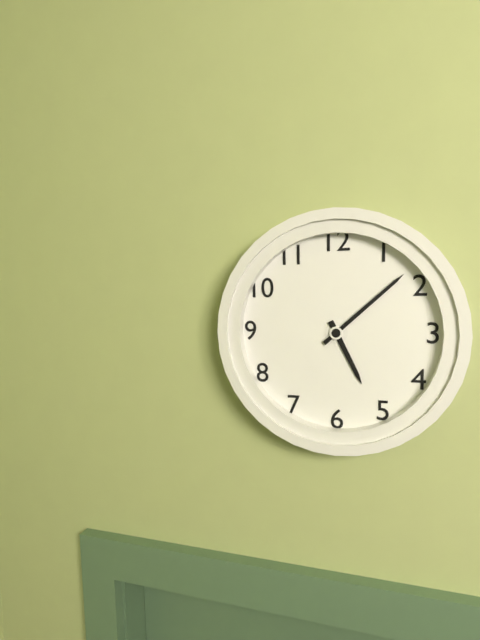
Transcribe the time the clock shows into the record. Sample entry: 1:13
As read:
5:08
